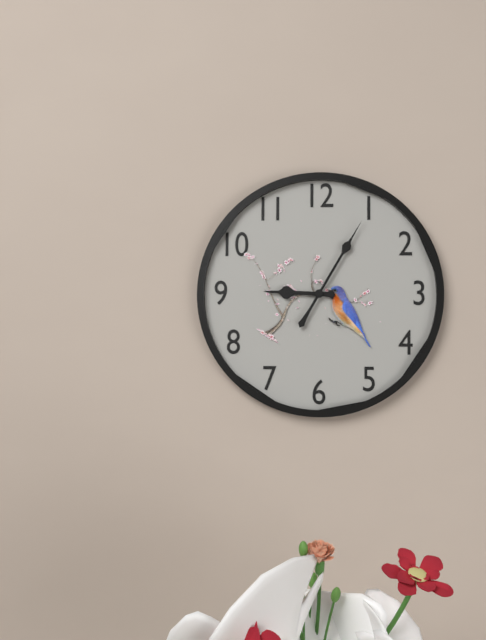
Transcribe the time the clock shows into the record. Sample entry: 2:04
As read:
9:05
